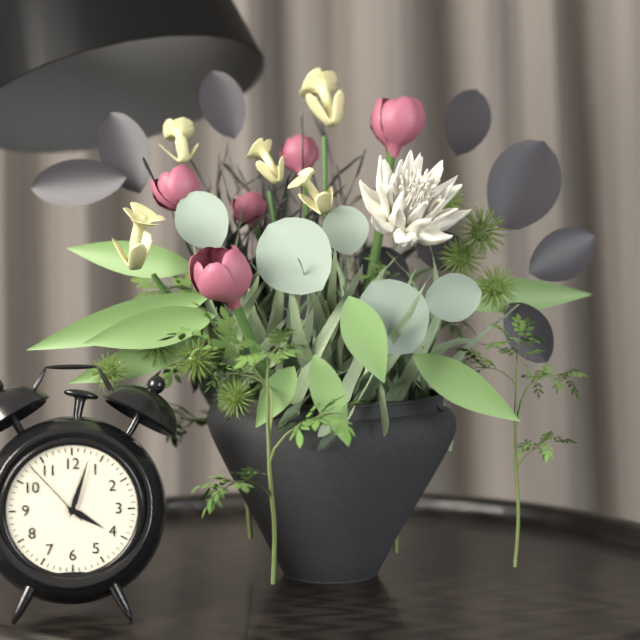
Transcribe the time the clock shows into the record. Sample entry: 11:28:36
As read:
4:03:53
